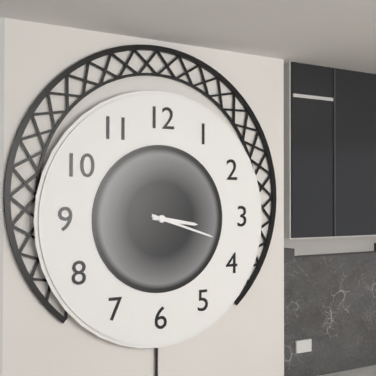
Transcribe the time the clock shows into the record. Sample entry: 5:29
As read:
3:18
